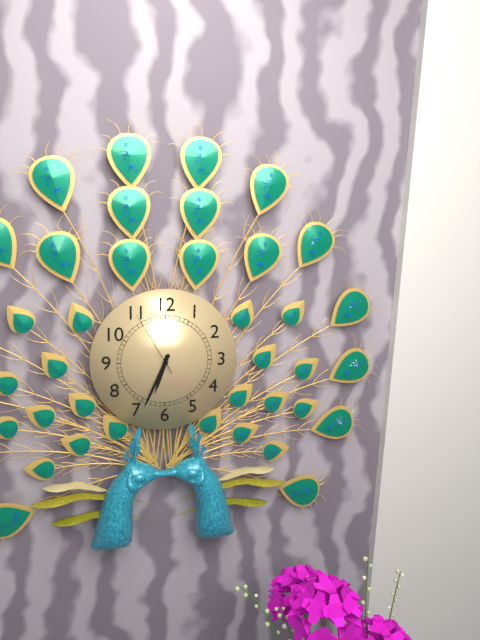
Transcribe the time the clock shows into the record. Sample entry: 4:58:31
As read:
6:34:55
